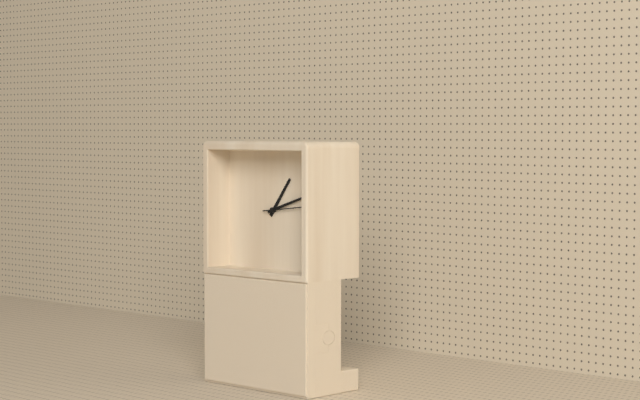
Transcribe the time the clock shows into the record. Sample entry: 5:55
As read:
1:12
